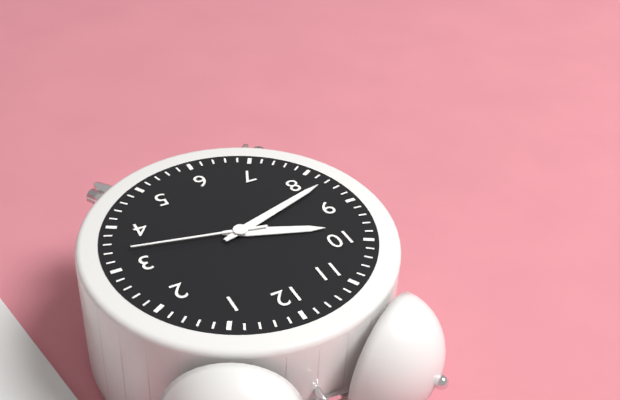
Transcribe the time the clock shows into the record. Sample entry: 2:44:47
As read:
9:42:17
